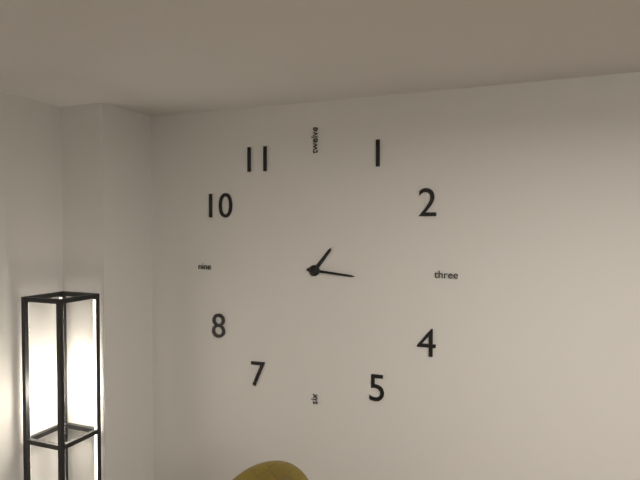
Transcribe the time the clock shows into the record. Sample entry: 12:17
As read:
1:16
